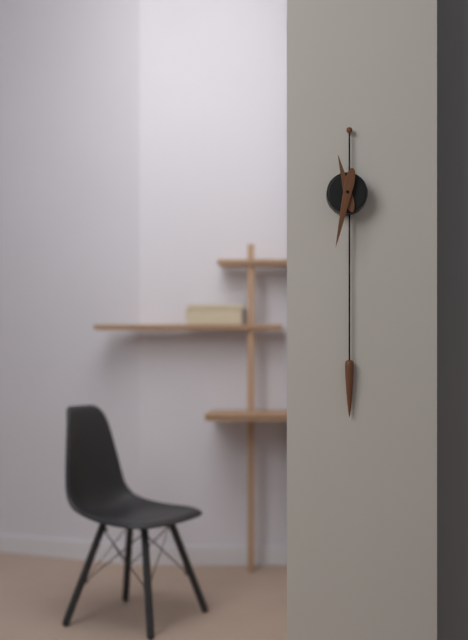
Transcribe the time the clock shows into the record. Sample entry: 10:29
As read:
11:32
